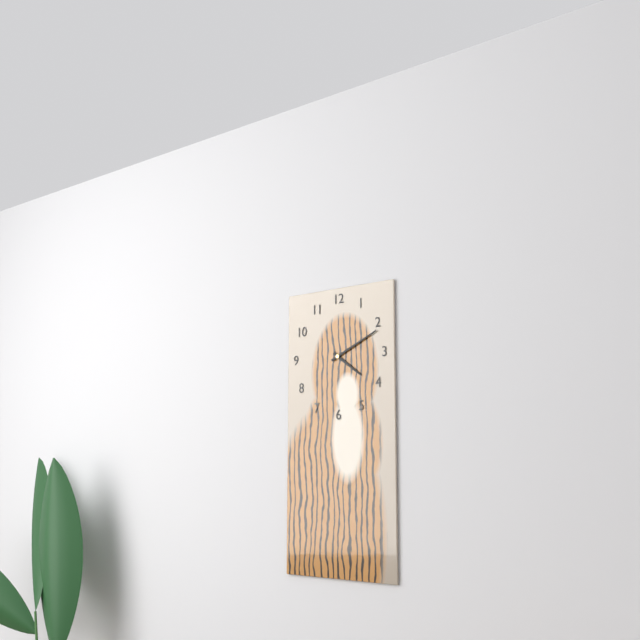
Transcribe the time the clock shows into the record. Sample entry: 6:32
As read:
4:11
